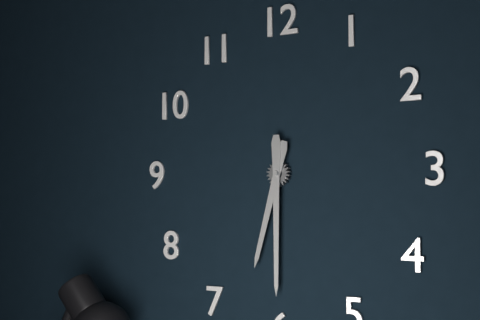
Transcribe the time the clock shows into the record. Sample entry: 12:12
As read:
6:30
